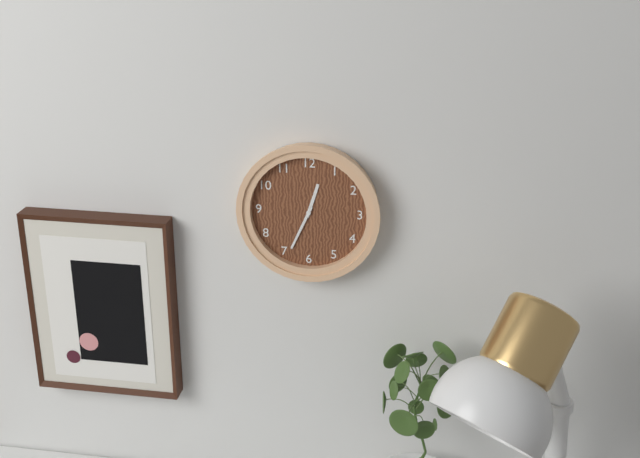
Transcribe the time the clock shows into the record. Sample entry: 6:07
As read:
12:34
